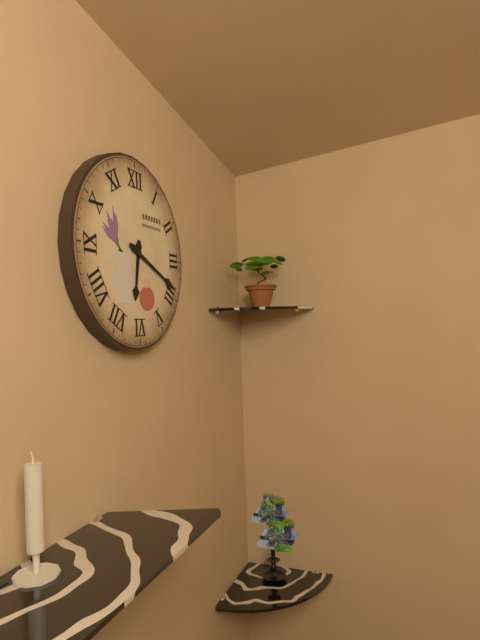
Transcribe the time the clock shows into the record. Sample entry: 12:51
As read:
6:19
